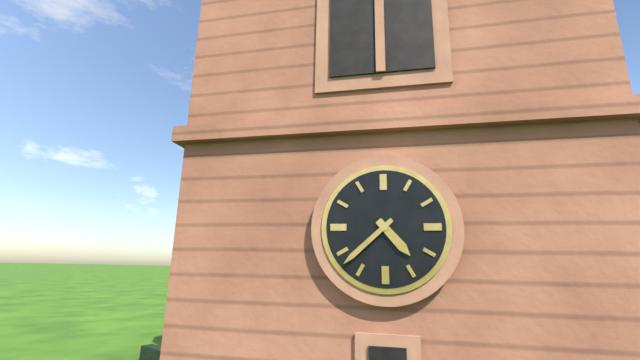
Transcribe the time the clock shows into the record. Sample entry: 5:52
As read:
4:38
